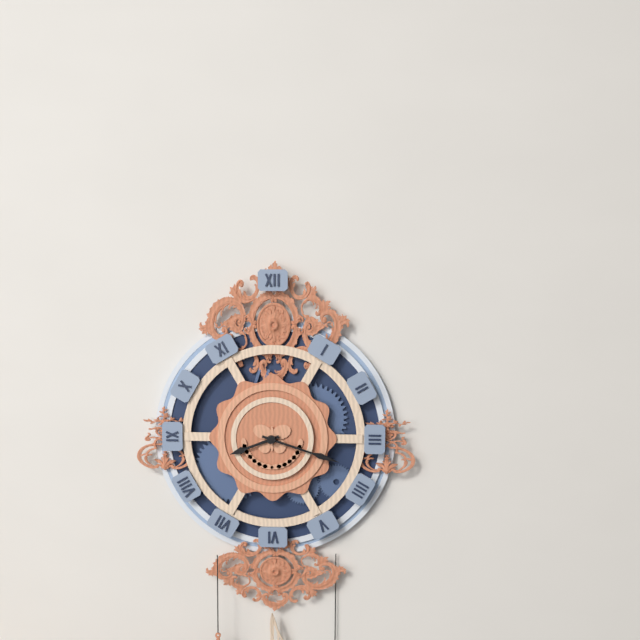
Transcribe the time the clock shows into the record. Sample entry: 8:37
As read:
8:18
